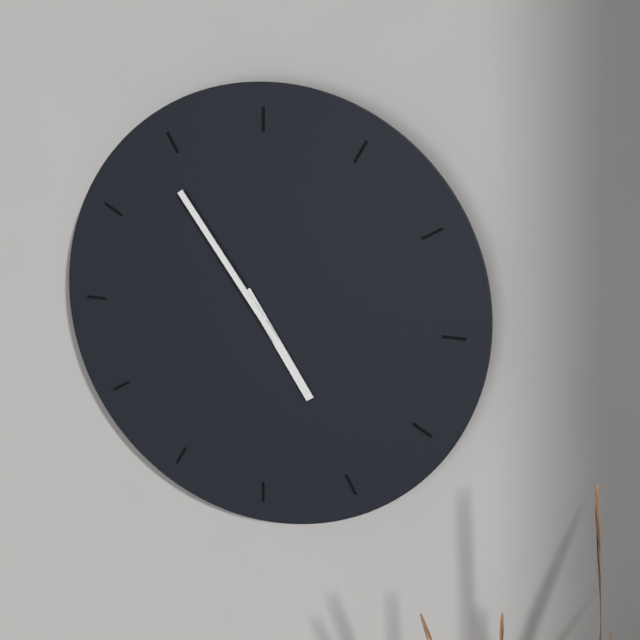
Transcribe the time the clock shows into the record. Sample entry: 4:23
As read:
4:54
